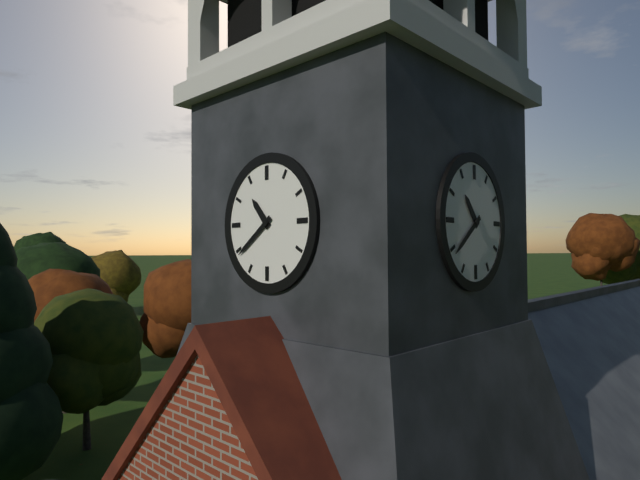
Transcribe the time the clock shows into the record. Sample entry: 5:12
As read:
10:39
